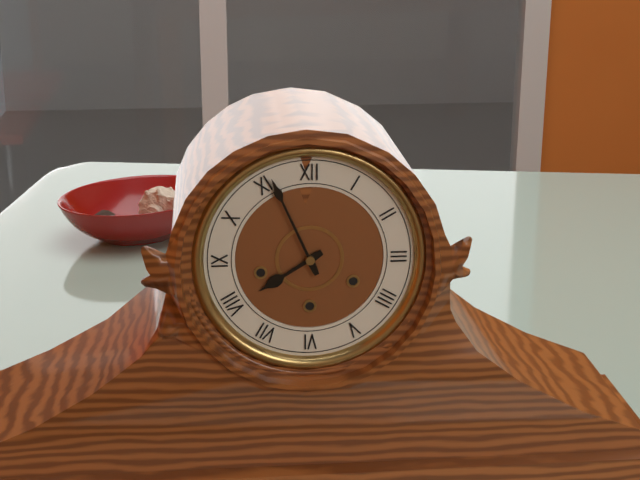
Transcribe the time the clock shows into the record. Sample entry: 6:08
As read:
7:56
